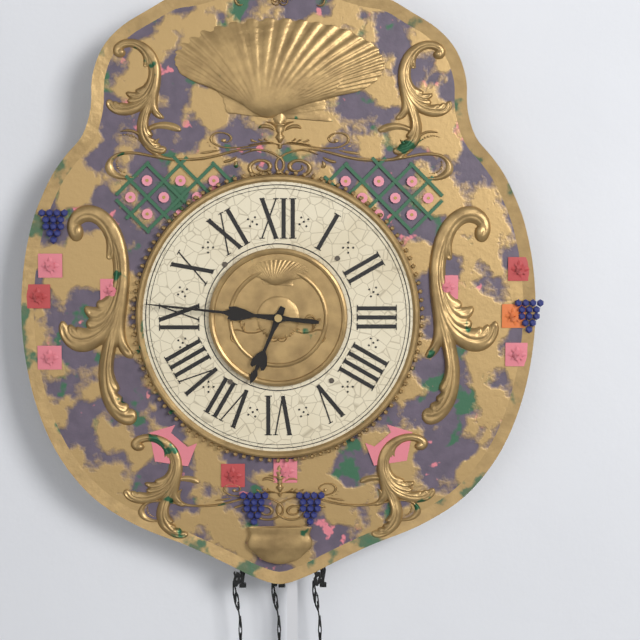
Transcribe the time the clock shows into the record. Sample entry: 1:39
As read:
6:46
